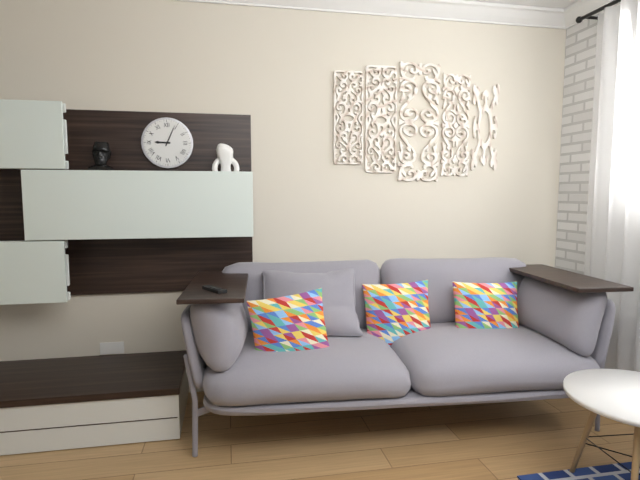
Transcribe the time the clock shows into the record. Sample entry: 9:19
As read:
9:04
